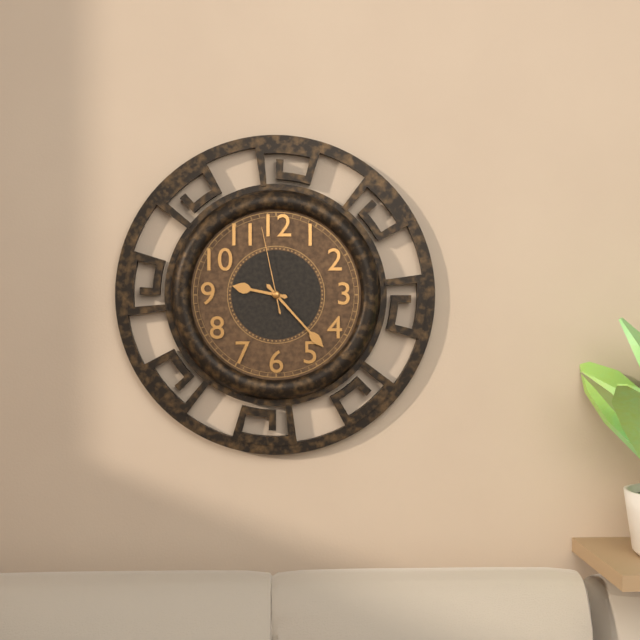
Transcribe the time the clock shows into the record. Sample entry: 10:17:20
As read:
9:23:58
